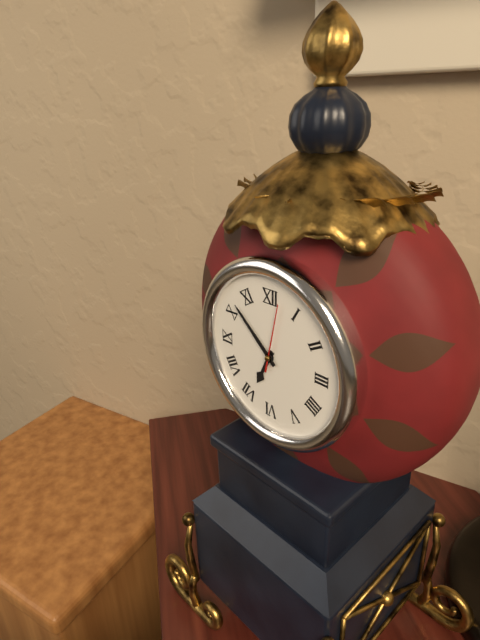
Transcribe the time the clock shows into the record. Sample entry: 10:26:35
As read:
6:52:02
